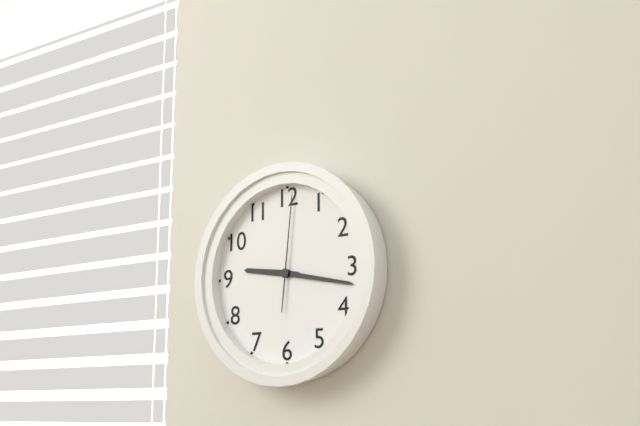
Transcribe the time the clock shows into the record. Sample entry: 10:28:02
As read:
9:17:01
